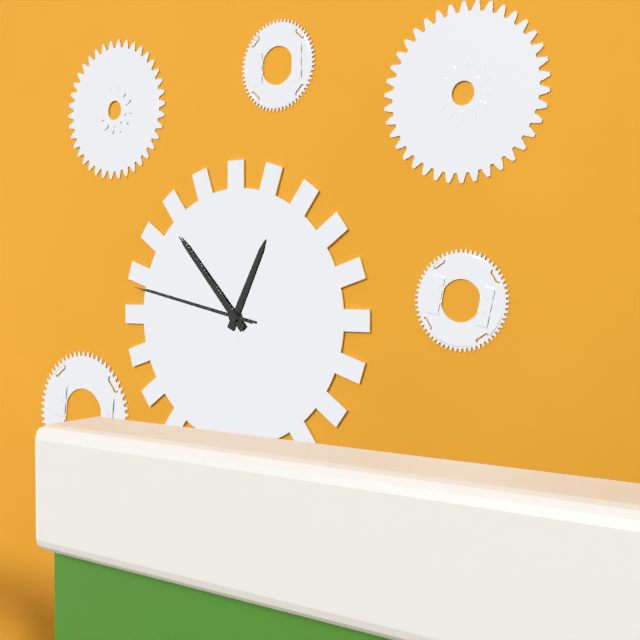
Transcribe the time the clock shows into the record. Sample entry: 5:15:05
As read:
12:53:47
